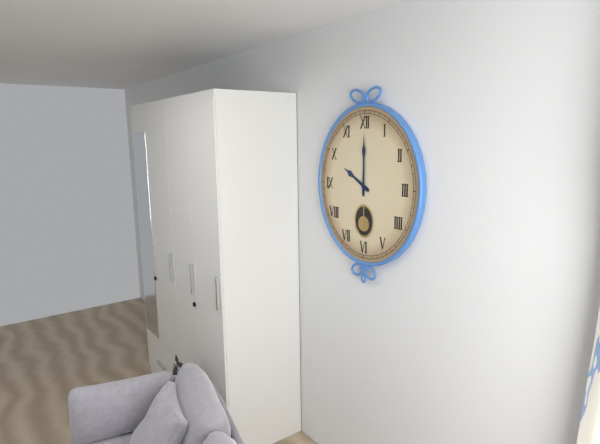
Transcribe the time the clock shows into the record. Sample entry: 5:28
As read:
10:00
